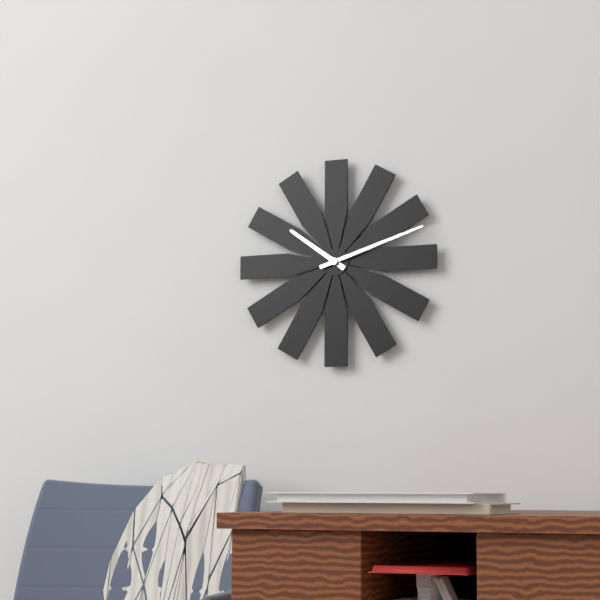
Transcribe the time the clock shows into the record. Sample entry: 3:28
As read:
10:12
